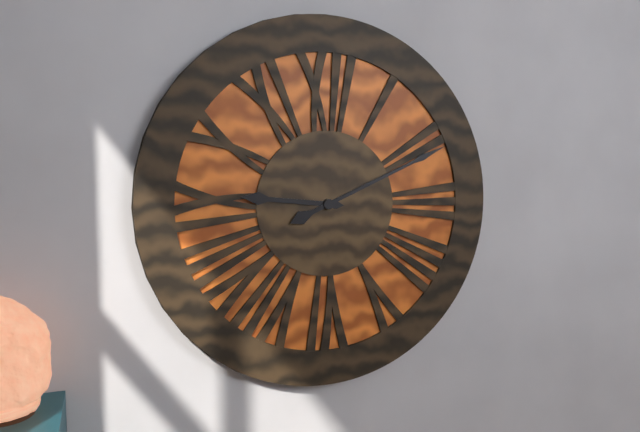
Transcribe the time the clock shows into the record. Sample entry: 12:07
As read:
9:11
